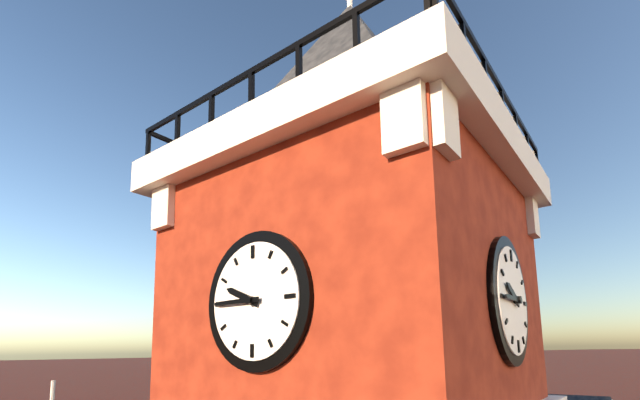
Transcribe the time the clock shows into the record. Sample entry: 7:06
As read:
9:45
